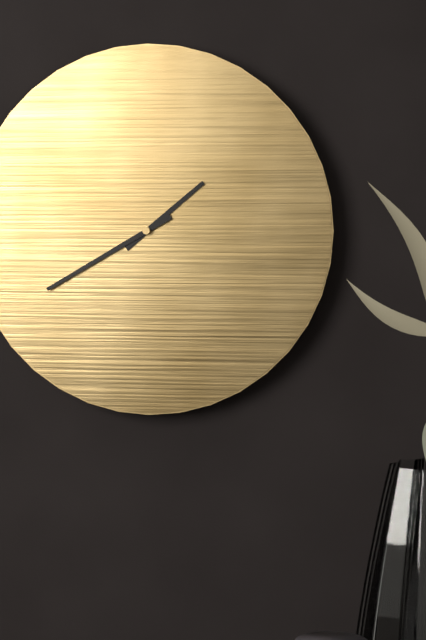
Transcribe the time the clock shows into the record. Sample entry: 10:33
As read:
1:40
